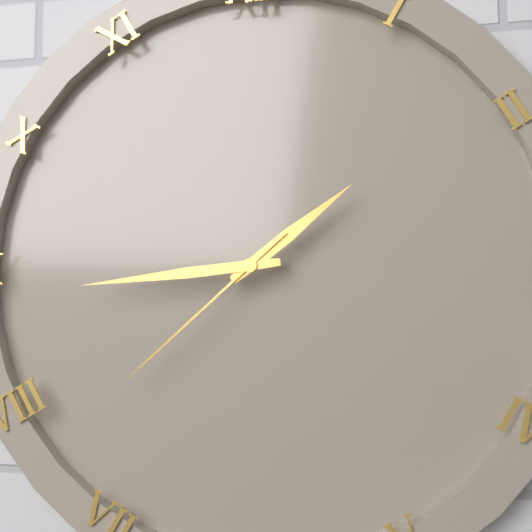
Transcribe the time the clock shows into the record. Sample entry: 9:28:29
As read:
1:44:38
